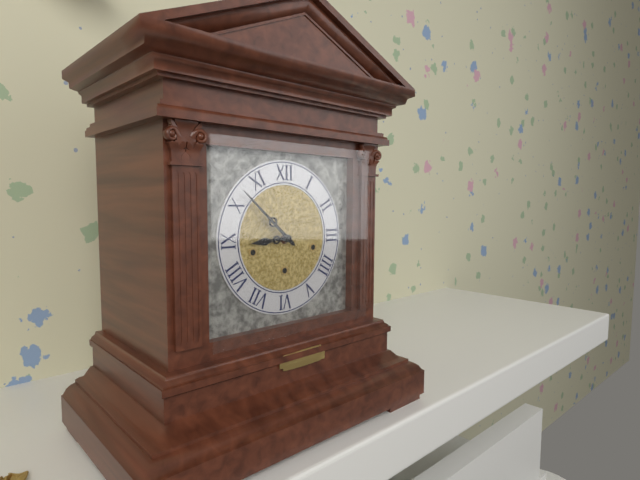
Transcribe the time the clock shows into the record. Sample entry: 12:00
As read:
8:52
